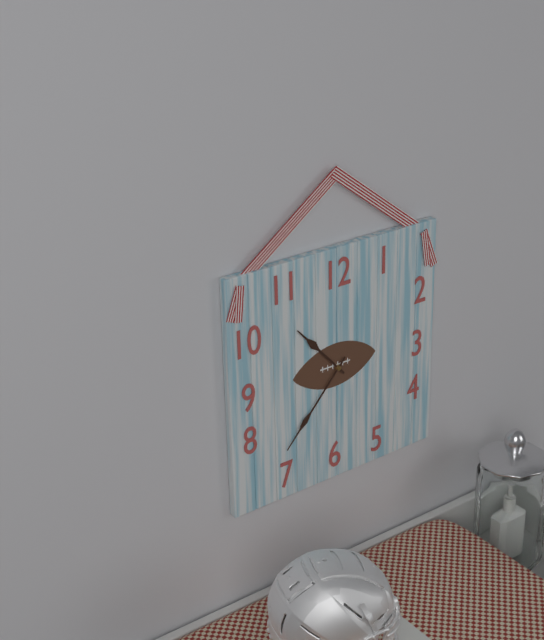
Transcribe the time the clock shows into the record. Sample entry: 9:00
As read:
10:37
